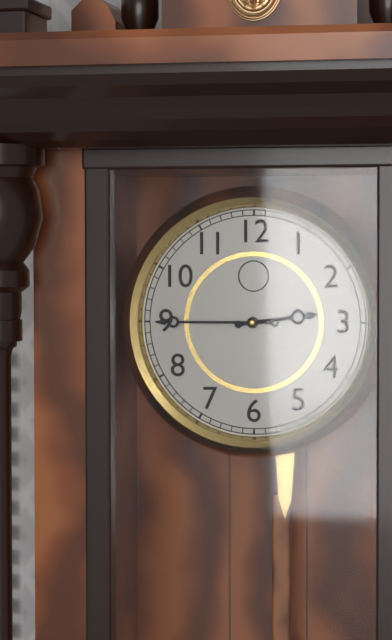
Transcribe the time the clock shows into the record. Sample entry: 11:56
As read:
2:45
